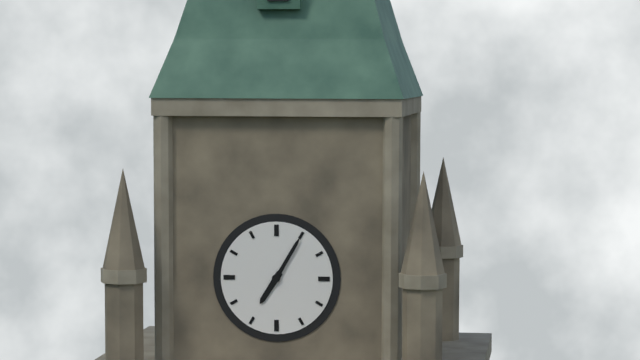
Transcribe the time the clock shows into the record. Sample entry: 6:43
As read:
7:05
